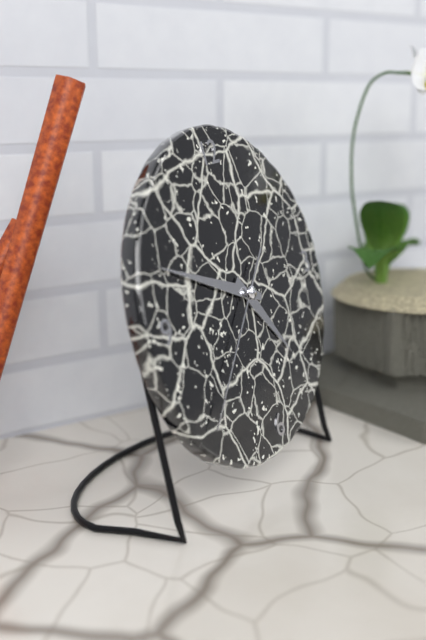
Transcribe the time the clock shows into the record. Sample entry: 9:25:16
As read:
4:49:38
